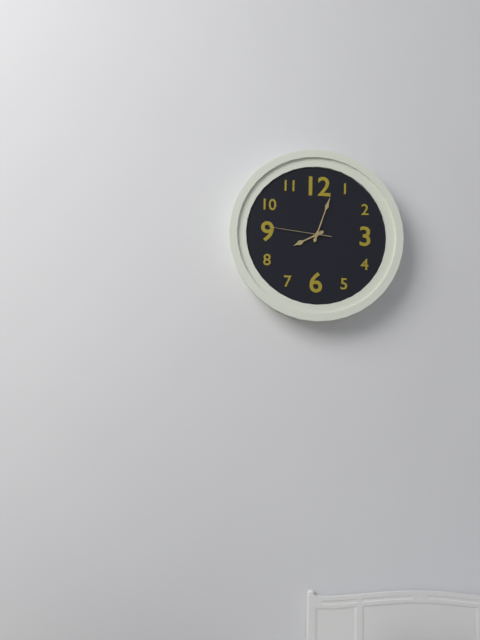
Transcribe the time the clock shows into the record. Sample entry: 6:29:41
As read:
8:03:46
